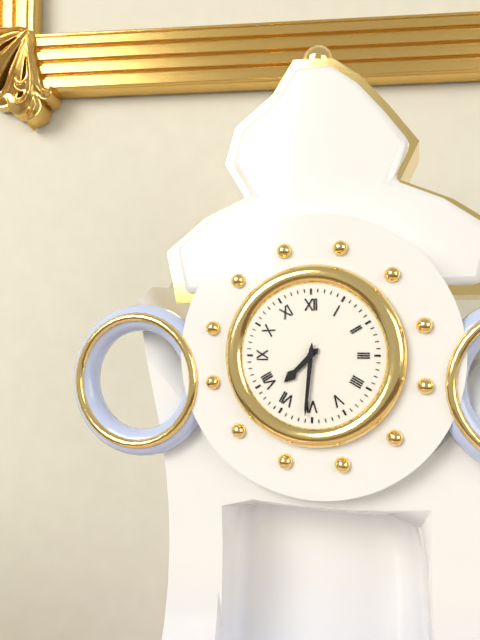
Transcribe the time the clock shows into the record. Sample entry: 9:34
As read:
7:31
